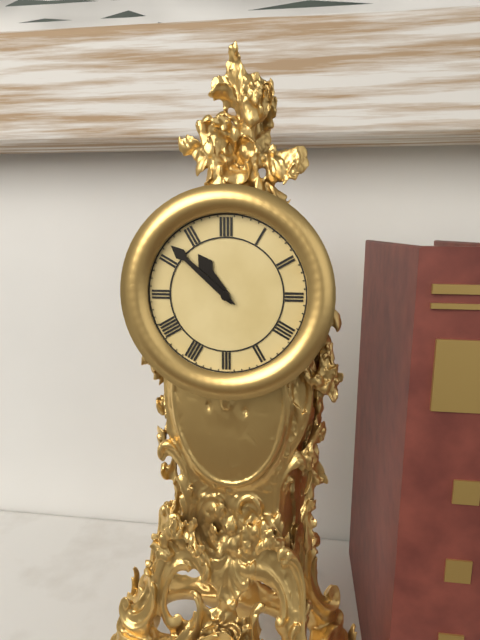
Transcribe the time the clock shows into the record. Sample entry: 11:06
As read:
10:52
